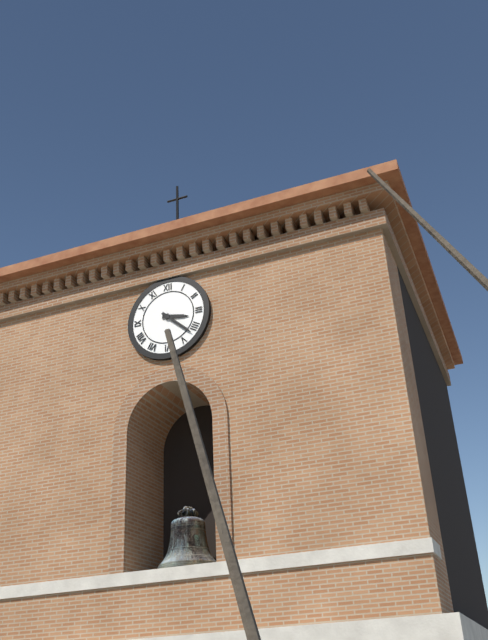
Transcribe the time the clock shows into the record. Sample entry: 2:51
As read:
3:22
